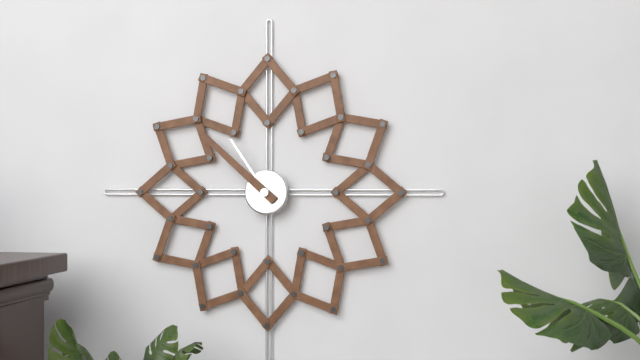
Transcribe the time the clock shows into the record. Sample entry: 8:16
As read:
10:52
